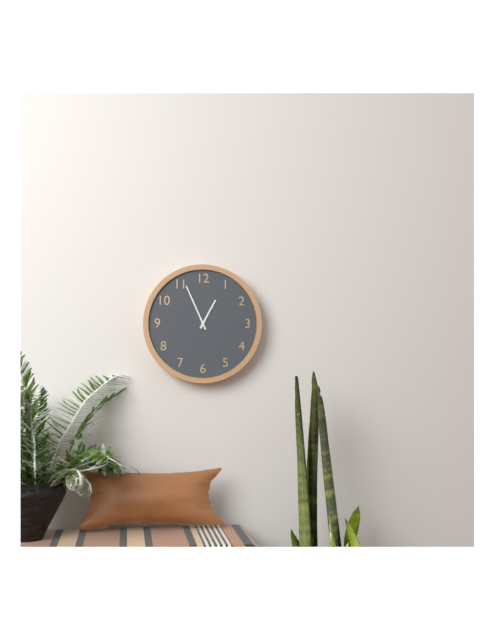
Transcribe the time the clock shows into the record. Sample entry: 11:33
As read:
12:56
